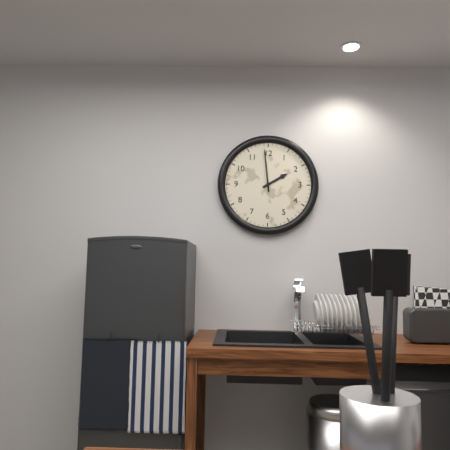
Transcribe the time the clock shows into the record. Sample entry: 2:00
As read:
1:59
